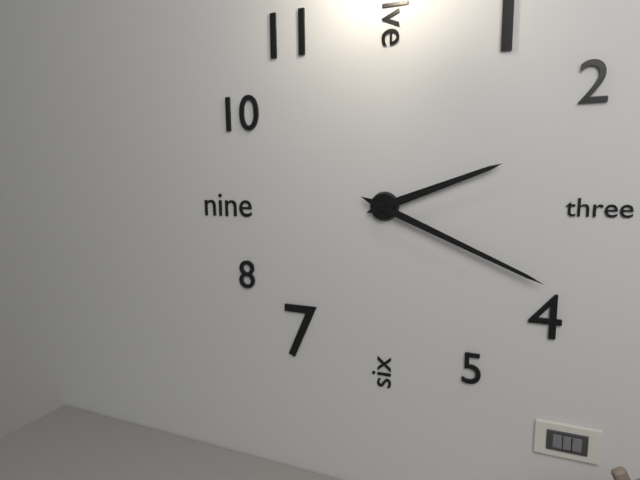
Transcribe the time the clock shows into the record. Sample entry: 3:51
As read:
2:19
